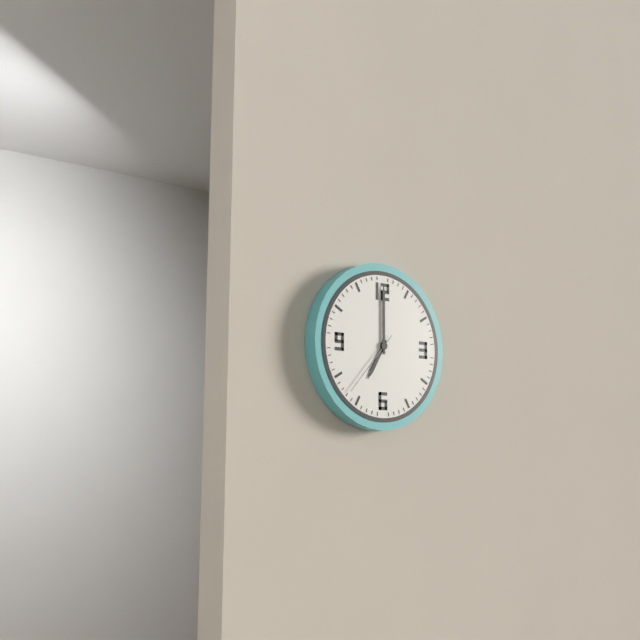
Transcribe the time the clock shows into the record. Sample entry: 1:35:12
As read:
7:00:37
